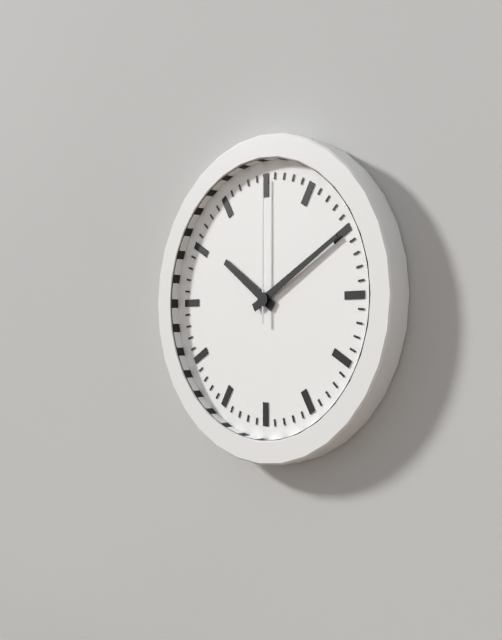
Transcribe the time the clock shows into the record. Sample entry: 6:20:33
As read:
10:10:00
